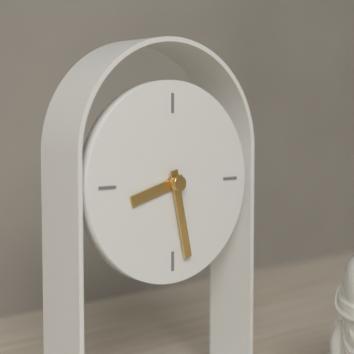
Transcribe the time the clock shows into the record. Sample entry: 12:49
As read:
8:28
